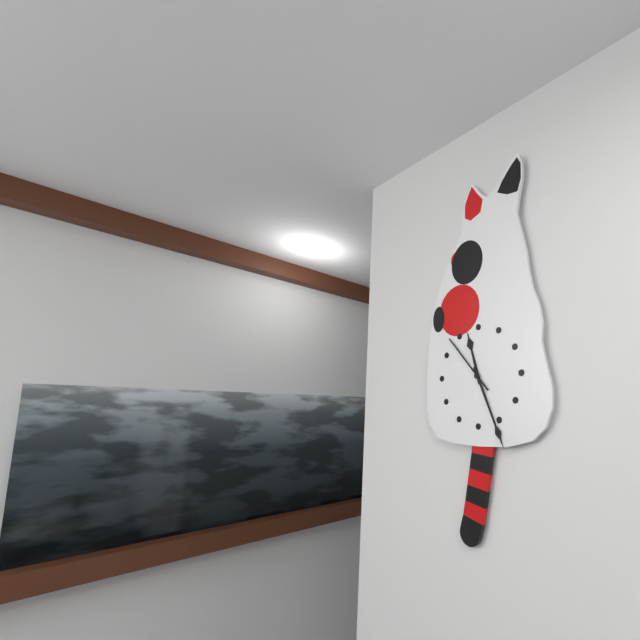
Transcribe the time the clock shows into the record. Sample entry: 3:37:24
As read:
11:26:53
